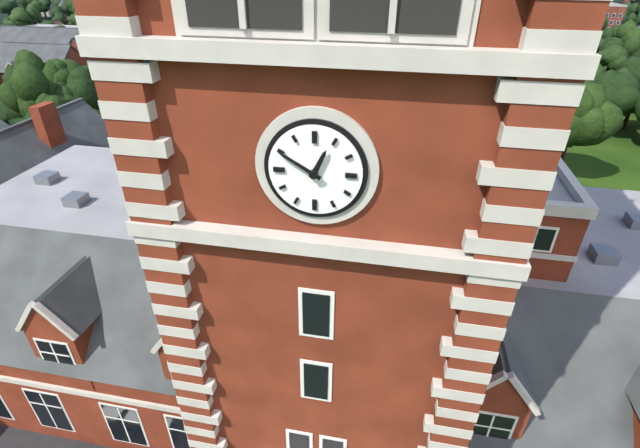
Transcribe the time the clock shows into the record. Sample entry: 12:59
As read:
12:50
